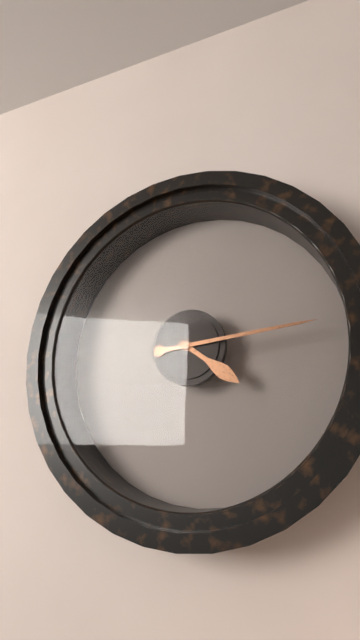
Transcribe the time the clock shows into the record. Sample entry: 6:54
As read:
4:14
